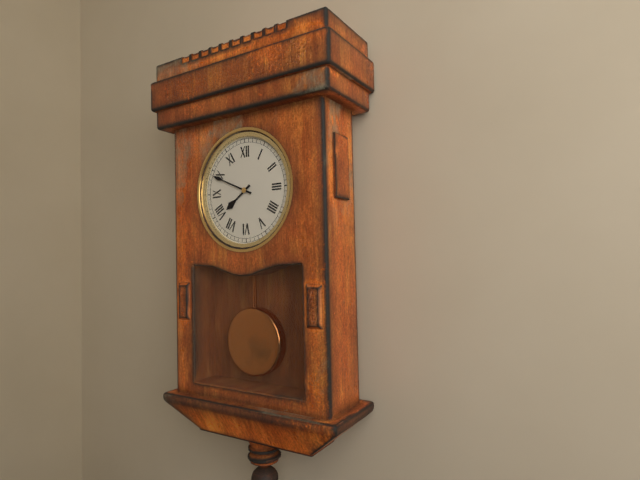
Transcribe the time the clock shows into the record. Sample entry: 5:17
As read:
7:49
